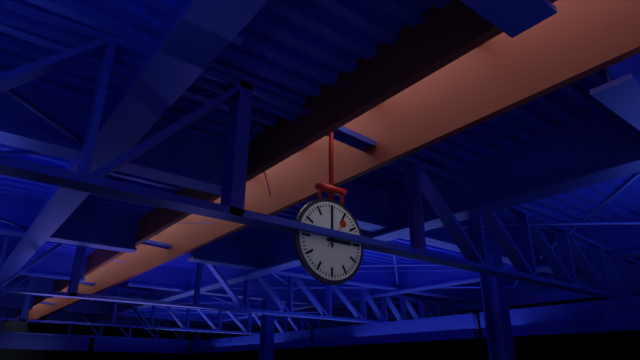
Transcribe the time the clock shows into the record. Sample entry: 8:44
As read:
3:00
